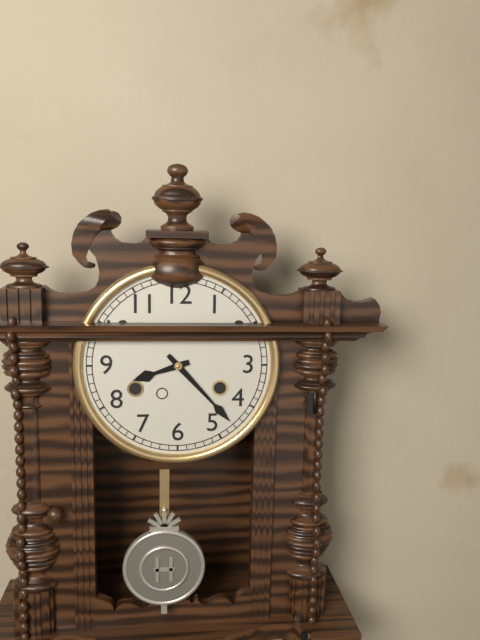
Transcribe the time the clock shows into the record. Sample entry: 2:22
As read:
8:23
